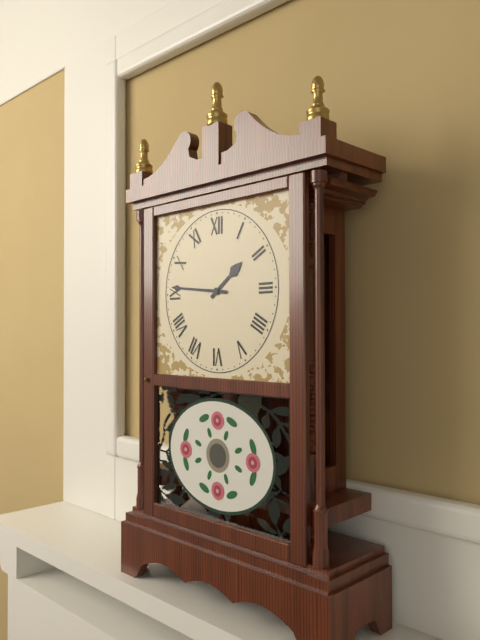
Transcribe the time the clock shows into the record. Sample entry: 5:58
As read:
1:46
